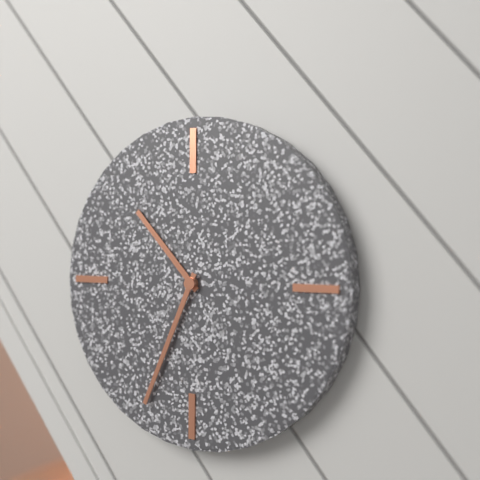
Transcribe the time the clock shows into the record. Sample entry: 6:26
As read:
10:34
